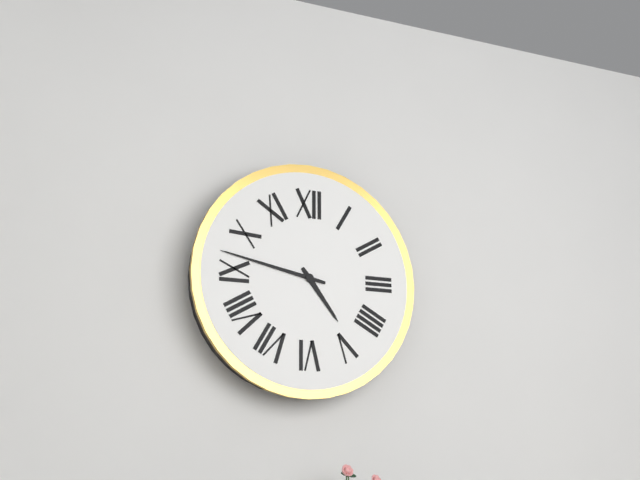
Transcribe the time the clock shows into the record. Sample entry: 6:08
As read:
4:47
